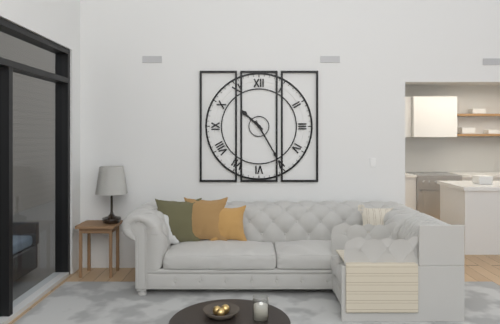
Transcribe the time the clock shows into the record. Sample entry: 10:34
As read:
10:25
